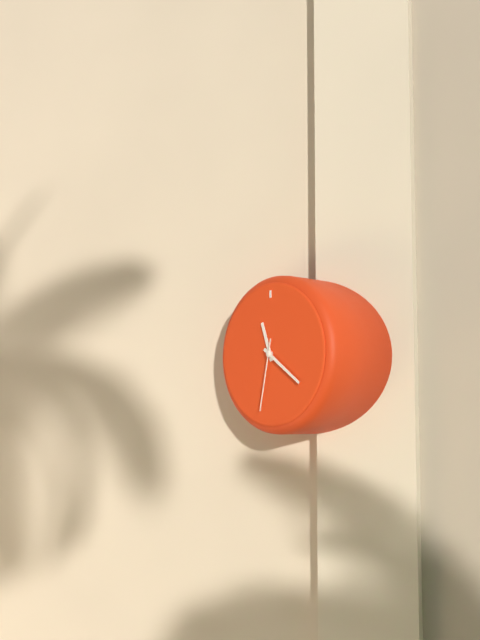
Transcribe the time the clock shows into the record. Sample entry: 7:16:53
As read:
11:21:32
